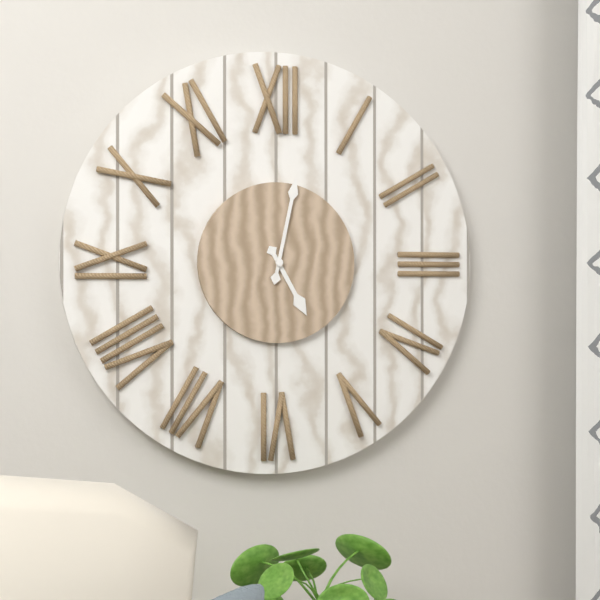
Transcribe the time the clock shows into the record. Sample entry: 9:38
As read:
5:02
